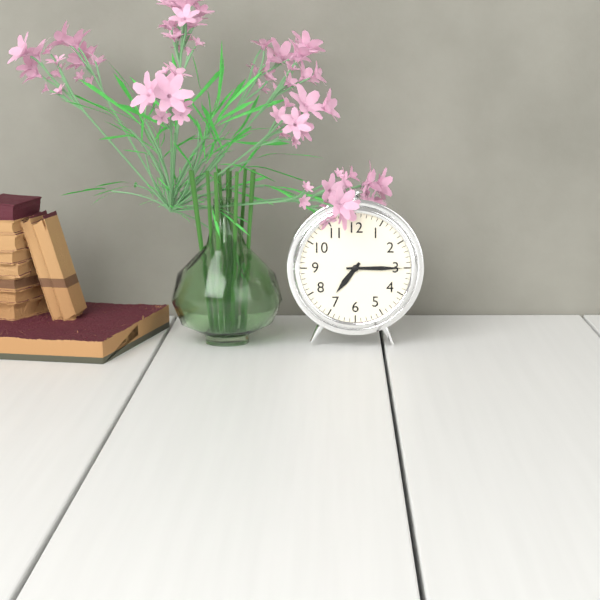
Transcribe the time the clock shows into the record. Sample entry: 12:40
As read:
7:15
